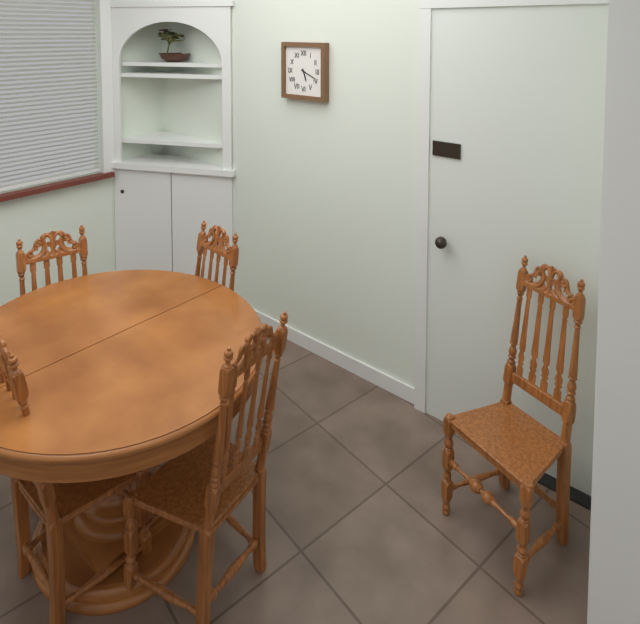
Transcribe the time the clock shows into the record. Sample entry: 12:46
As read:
5:19
